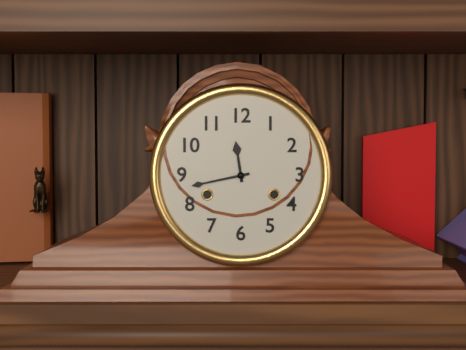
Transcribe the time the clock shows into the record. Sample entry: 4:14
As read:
11:43
